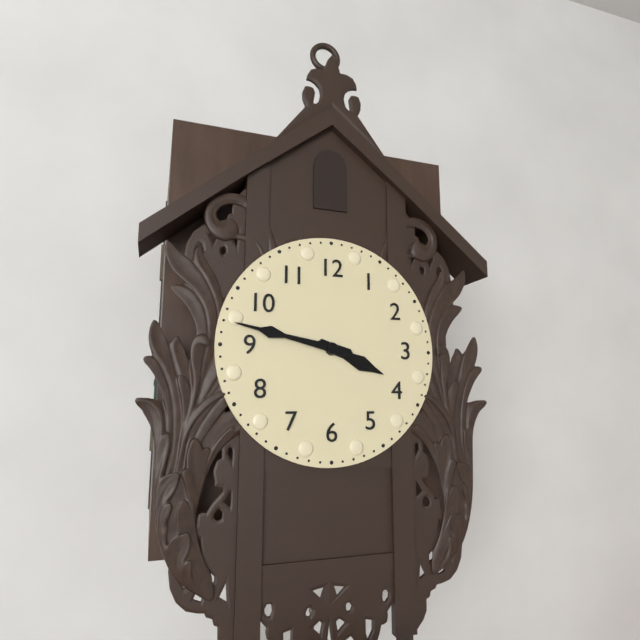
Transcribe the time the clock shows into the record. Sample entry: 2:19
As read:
3:47
